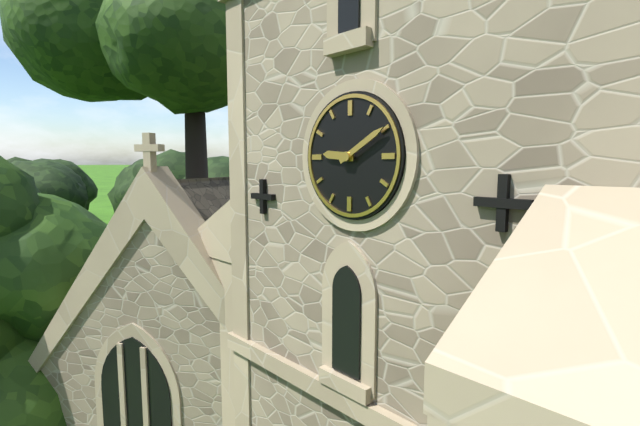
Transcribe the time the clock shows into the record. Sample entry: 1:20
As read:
9:10
